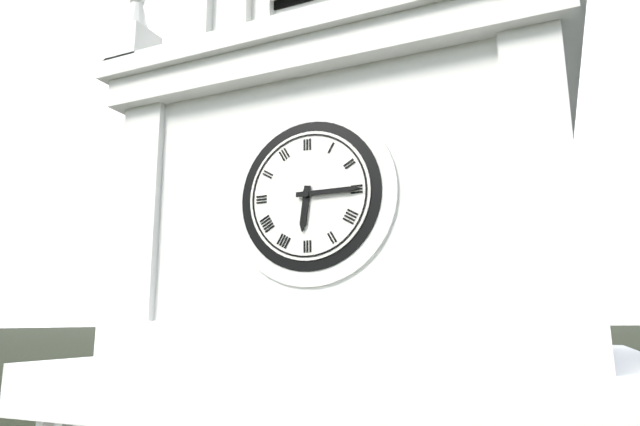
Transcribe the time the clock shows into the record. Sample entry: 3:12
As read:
6:15
